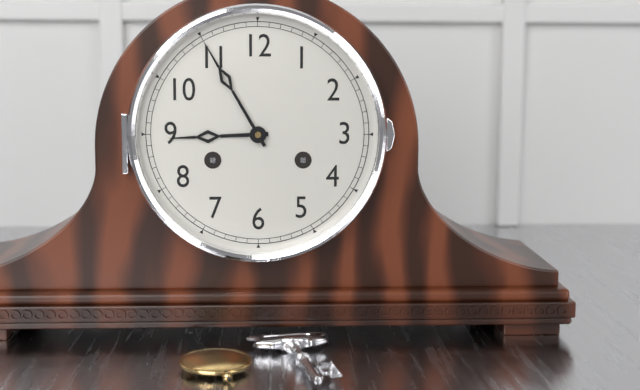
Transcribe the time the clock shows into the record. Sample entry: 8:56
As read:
8:55
